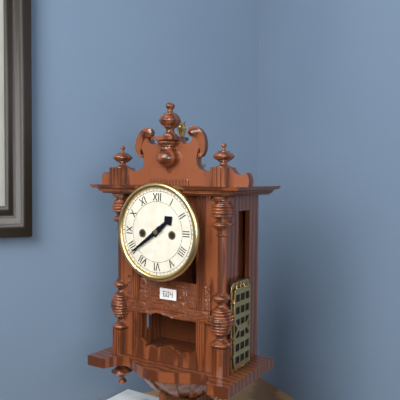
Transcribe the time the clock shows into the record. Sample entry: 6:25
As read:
1:39
